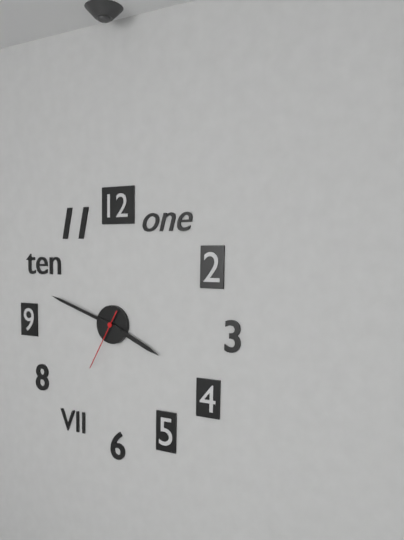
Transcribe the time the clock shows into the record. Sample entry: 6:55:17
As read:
3:48:35
